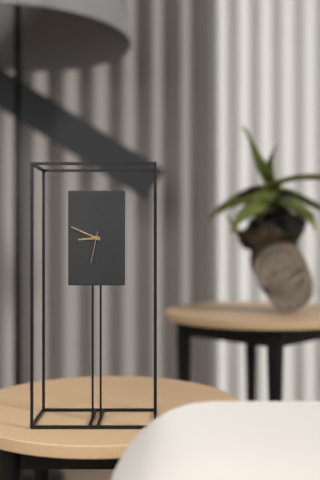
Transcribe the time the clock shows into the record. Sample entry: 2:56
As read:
8:49
